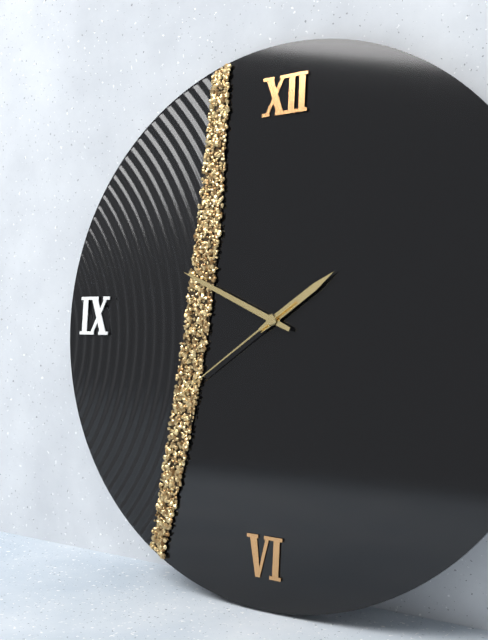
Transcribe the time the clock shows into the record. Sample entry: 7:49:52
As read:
1:49:39
